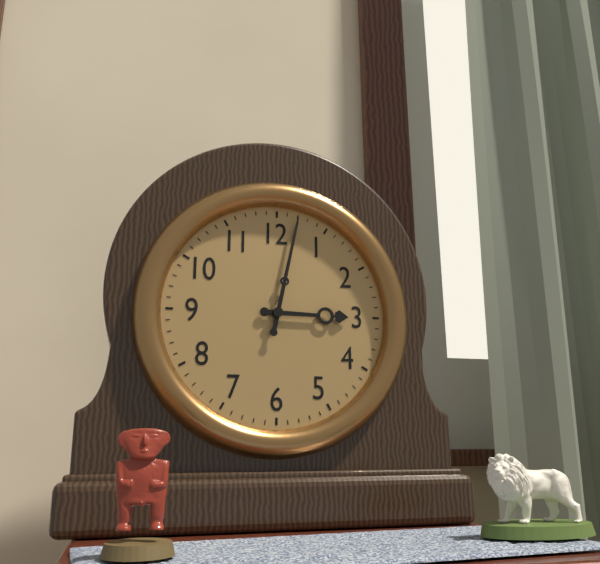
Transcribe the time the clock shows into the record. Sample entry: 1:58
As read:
3:02
